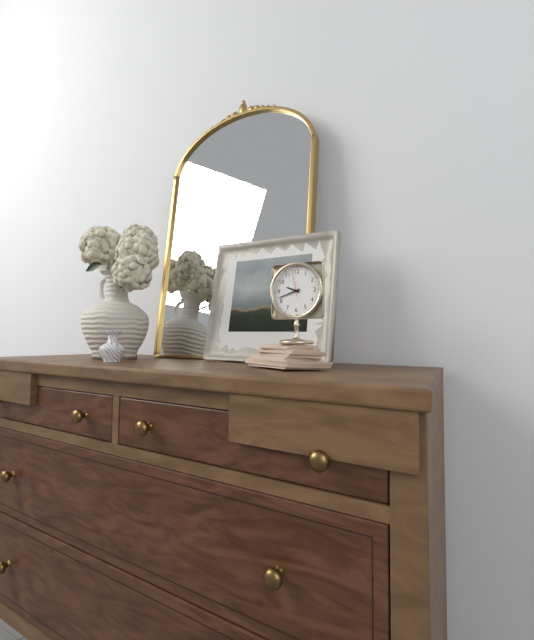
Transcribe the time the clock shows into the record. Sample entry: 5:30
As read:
9:42
